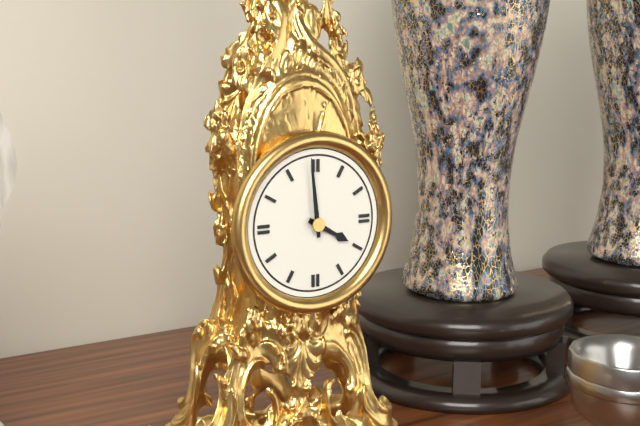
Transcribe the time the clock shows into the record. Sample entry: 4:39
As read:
3:59
